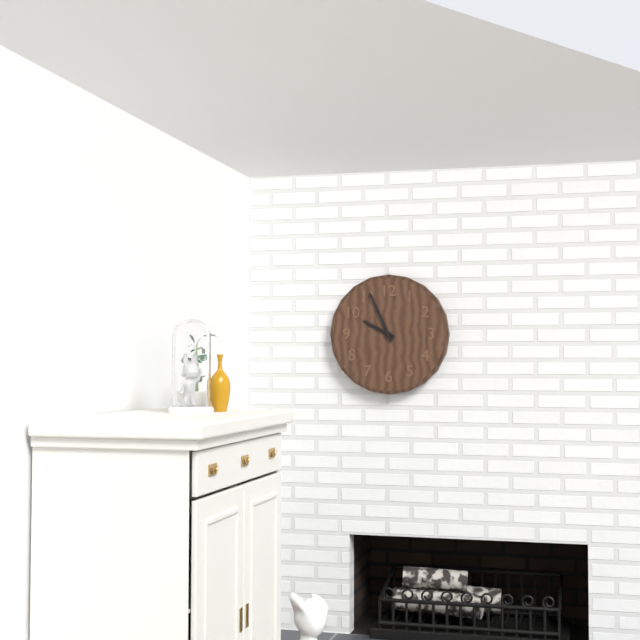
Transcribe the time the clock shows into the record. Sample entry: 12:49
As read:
9:56
